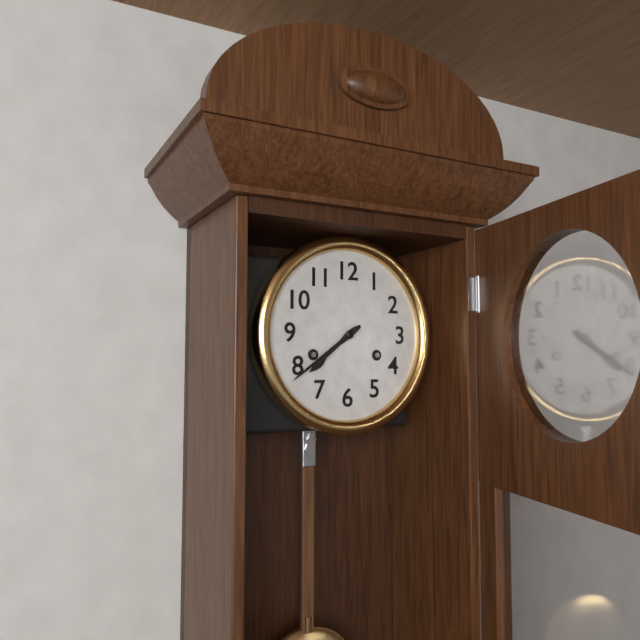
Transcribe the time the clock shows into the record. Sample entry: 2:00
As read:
7:39
